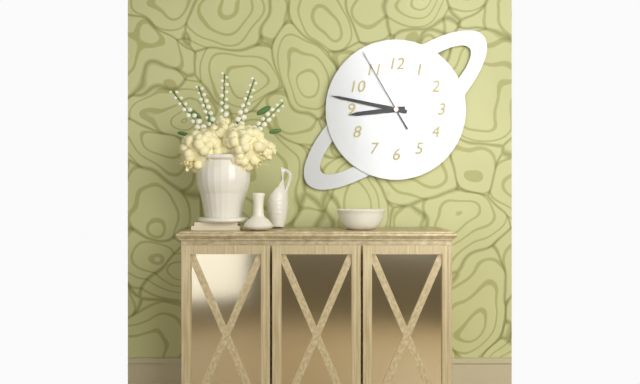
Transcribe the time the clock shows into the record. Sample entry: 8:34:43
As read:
8:47:55
